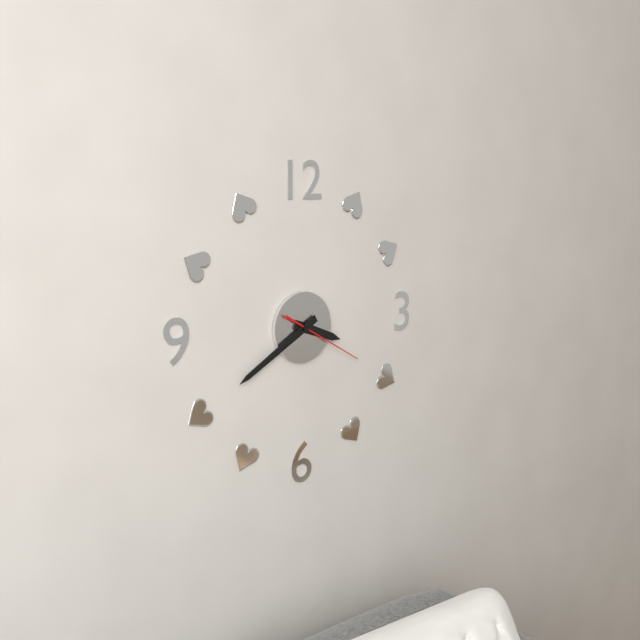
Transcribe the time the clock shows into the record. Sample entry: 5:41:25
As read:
3:40:20
